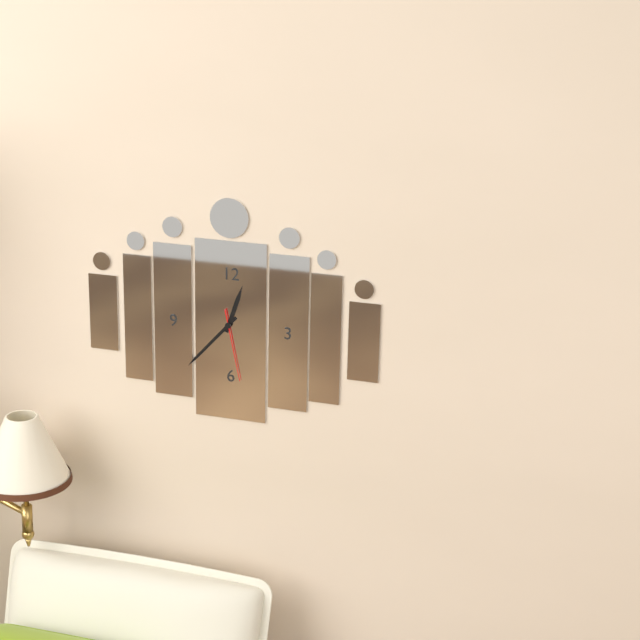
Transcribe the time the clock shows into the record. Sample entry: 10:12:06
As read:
12:37:28
